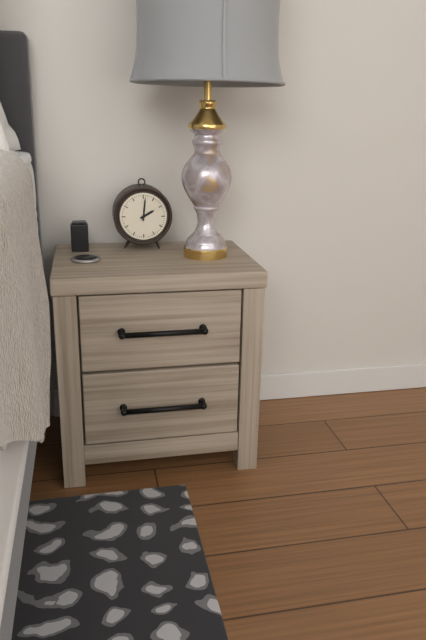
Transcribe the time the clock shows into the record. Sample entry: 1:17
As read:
2:01
